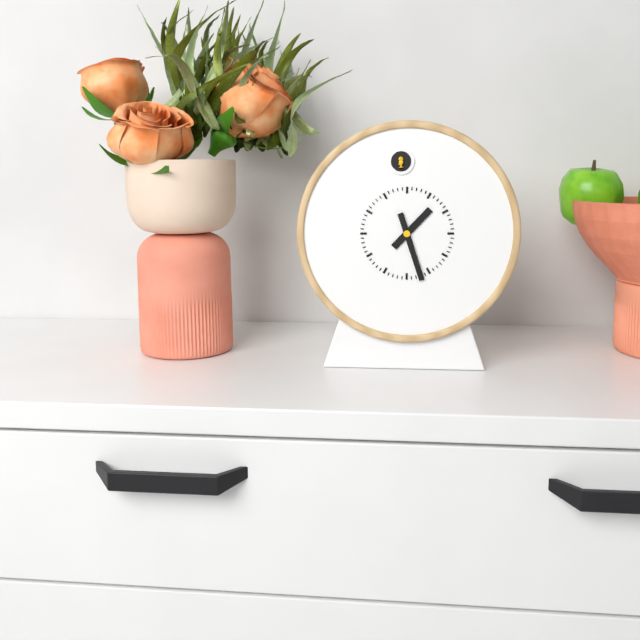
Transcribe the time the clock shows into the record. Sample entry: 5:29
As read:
1:27
